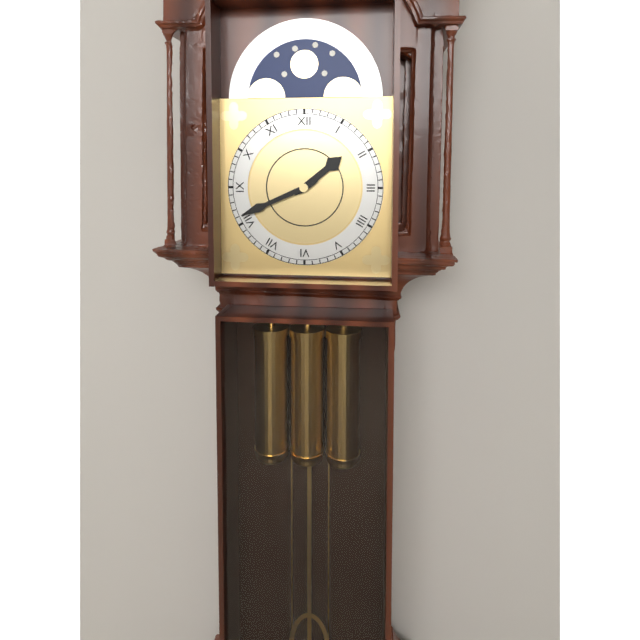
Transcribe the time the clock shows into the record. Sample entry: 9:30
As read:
1:41
